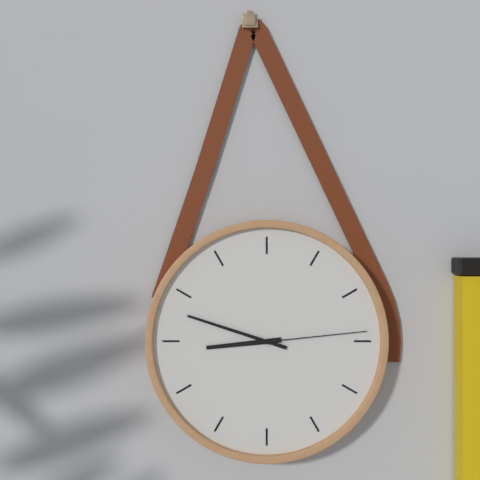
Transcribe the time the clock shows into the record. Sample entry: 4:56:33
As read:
8:48:14
